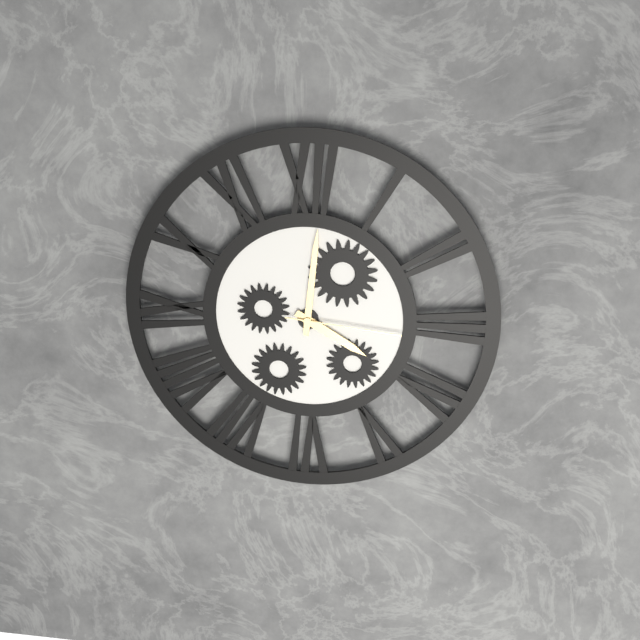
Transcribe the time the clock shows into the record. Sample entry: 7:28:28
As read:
4:01:16
